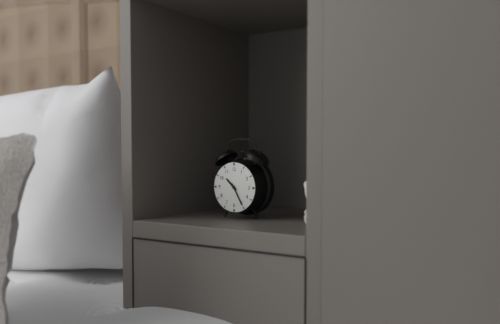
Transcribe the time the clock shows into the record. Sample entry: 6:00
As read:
10:25
